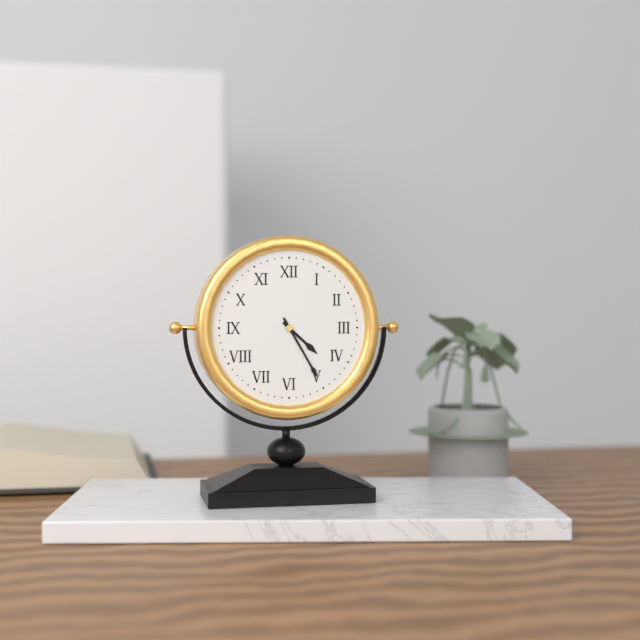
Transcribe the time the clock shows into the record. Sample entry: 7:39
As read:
4:25
